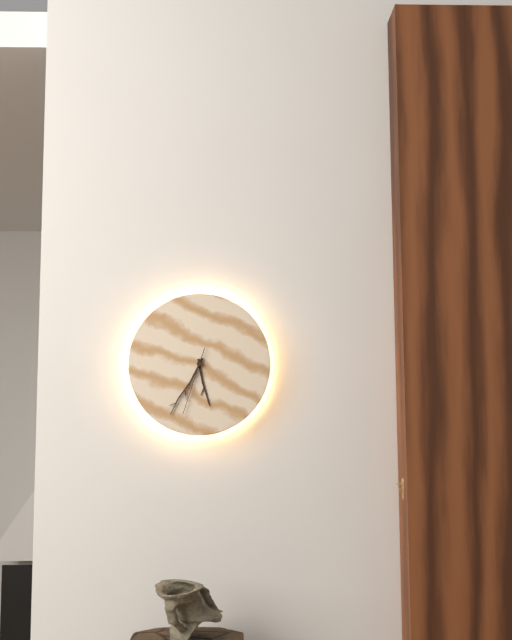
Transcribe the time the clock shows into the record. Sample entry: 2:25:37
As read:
5:35:33
